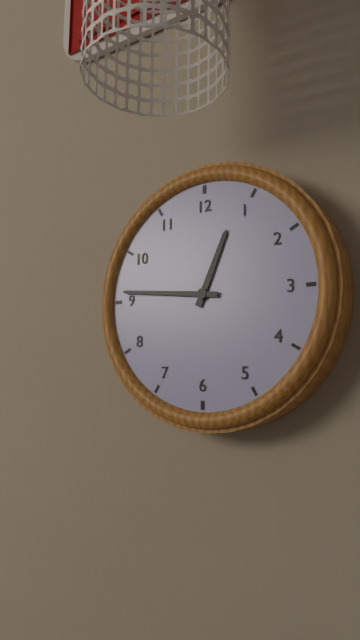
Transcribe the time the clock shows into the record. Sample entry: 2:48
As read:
12:46
